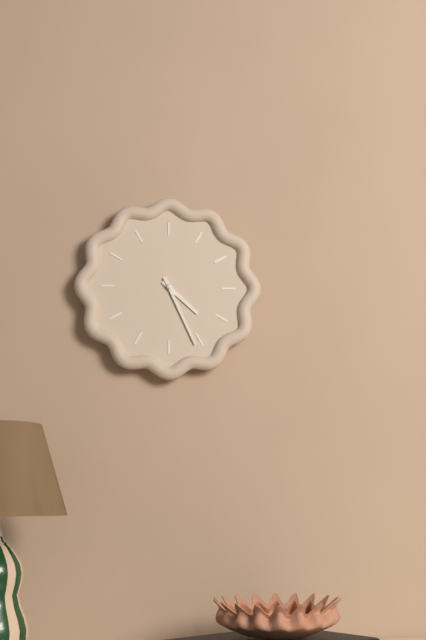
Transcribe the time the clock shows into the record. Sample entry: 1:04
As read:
4:26
